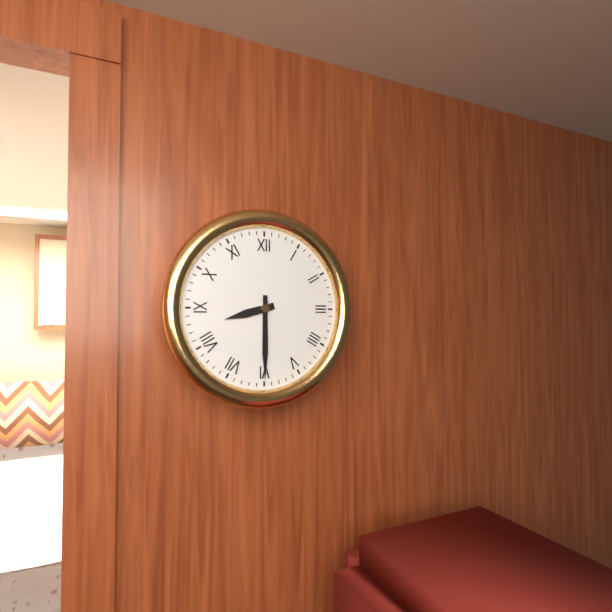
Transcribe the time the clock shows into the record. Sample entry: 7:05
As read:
8:30
